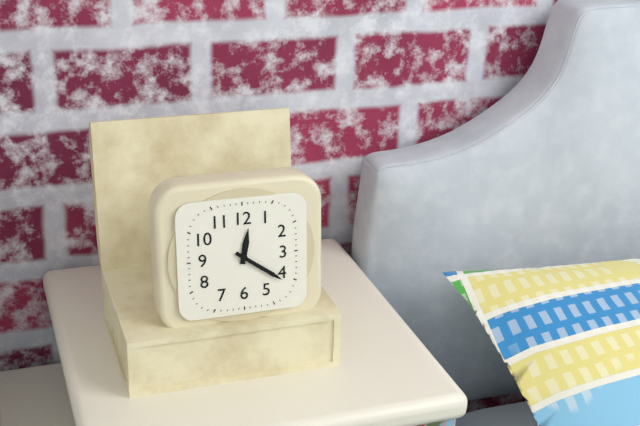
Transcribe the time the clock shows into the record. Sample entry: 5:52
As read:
12:21
